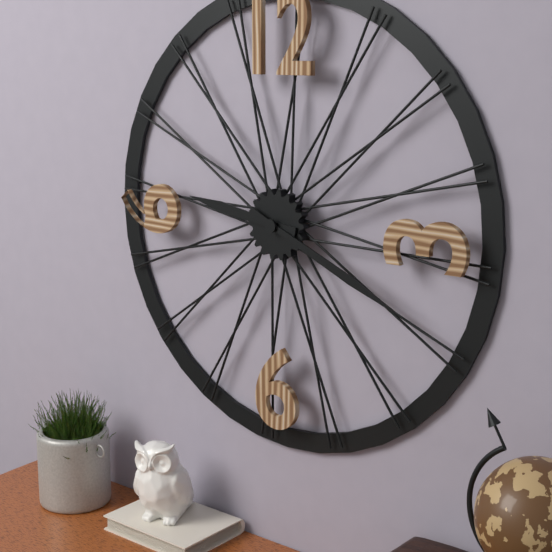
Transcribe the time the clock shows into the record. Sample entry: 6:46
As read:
9:19
